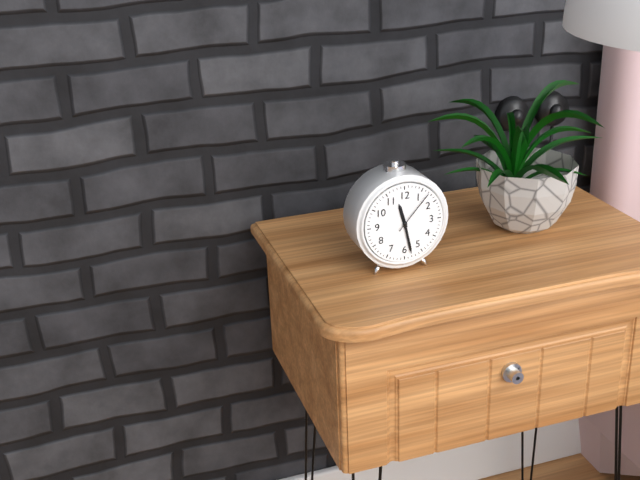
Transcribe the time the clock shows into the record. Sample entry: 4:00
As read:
11:28
